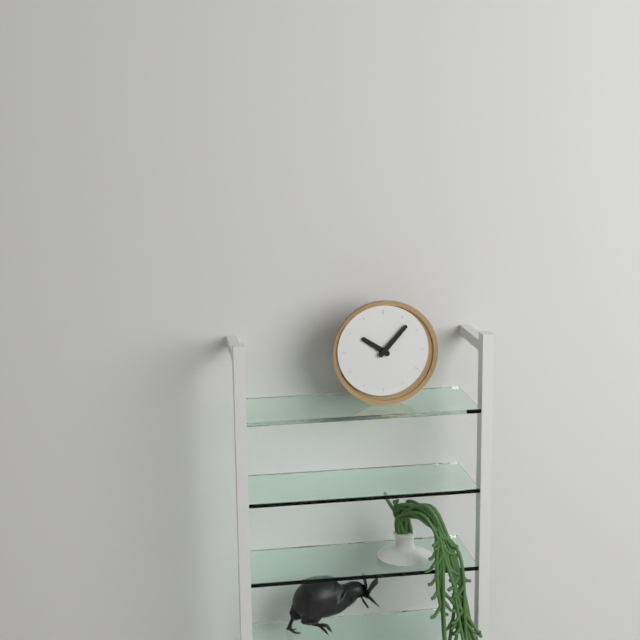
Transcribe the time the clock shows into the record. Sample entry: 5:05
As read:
10:07
